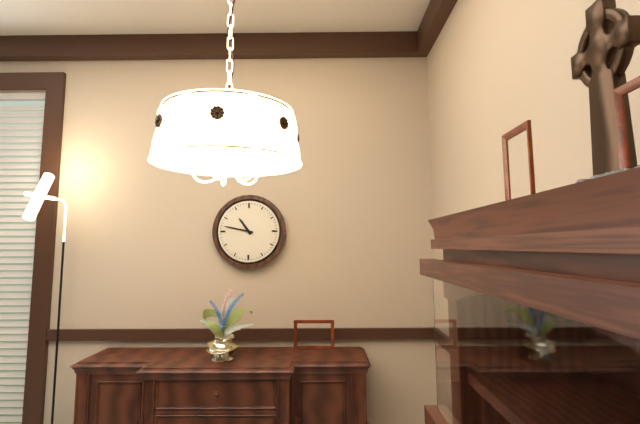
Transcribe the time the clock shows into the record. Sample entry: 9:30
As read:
10:47
